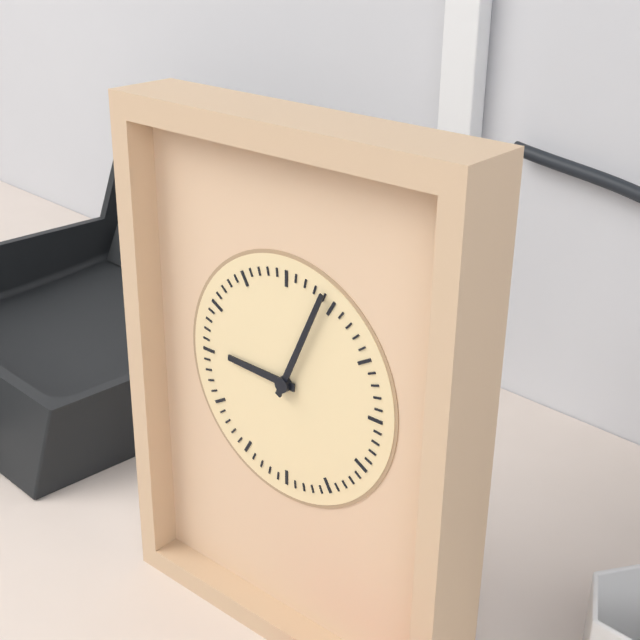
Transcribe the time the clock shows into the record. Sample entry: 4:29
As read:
9:04
